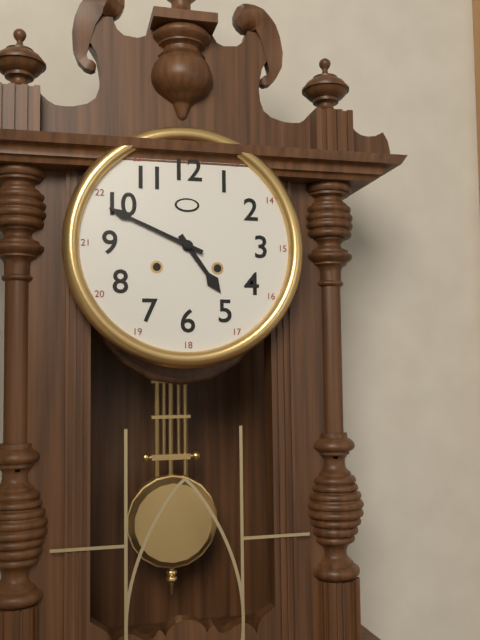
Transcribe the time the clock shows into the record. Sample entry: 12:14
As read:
4:49
